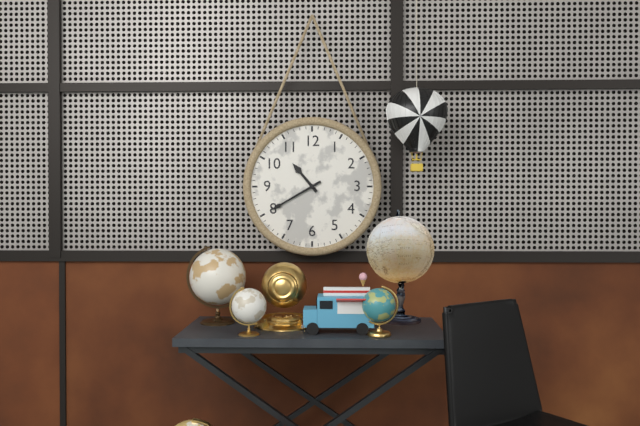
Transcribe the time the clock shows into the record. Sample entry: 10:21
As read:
10:40
